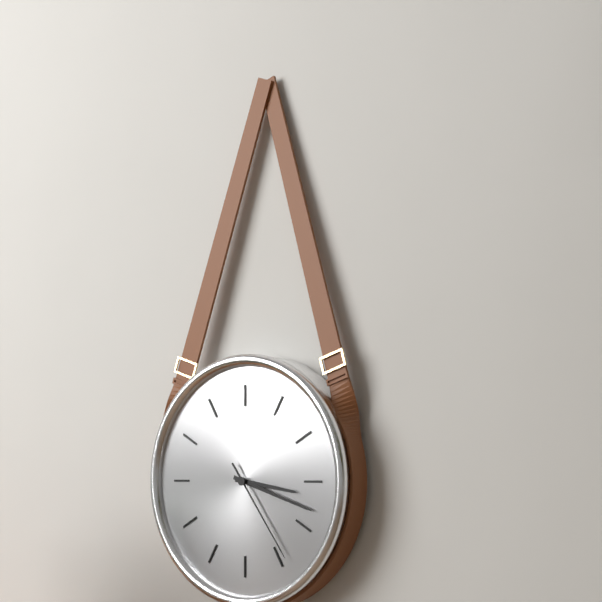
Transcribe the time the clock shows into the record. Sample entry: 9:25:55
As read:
3:18:24
